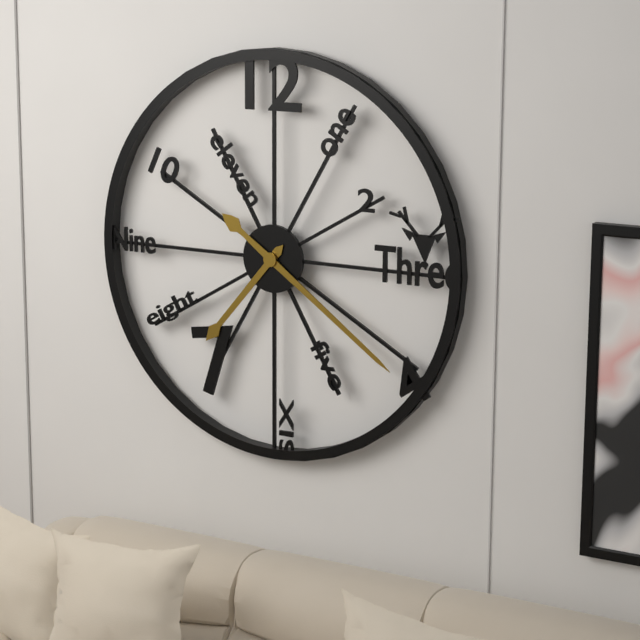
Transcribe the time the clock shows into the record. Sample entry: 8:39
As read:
7:21
